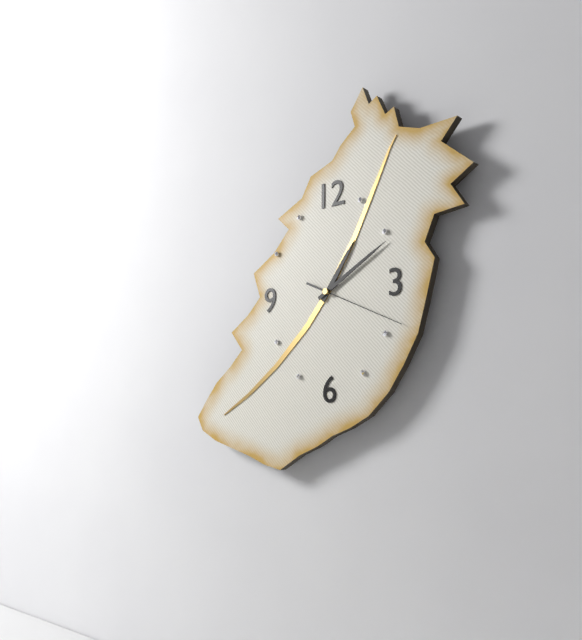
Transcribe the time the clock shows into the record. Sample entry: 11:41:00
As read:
1:10:19
